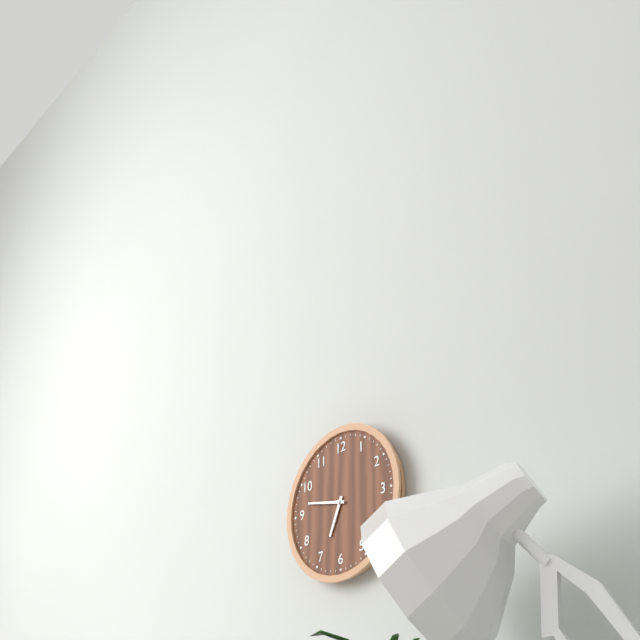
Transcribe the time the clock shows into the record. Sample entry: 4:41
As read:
6:47
